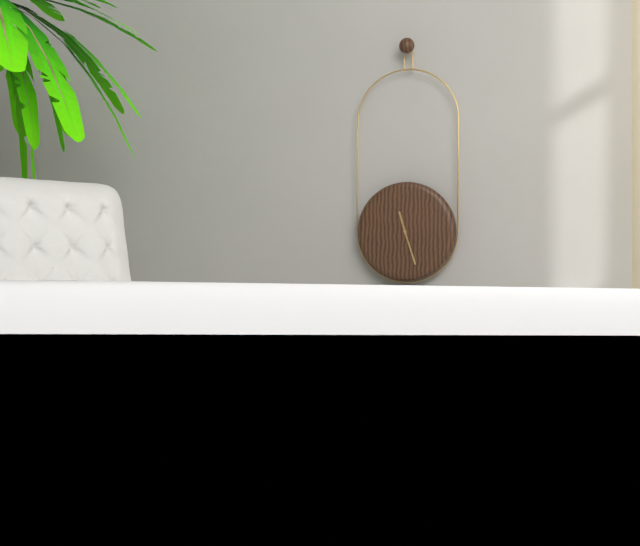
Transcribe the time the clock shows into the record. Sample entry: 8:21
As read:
11:27
